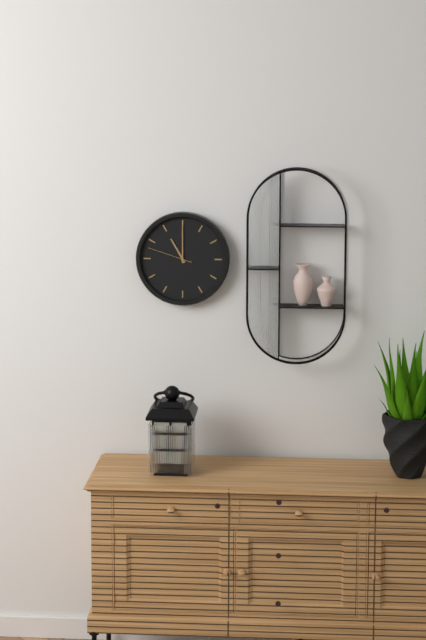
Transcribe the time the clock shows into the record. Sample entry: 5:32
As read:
11:00
